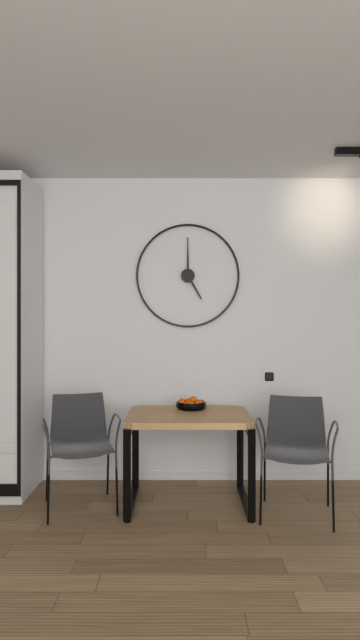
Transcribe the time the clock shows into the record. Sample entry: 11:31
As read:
5:00
